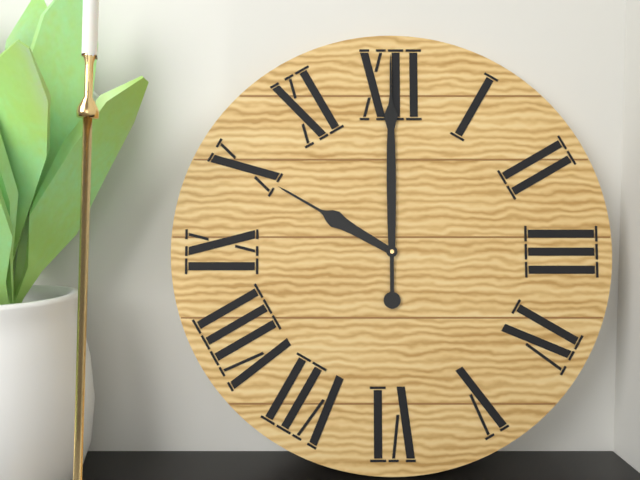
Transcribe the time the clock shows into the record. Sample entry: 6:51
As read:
10:00
